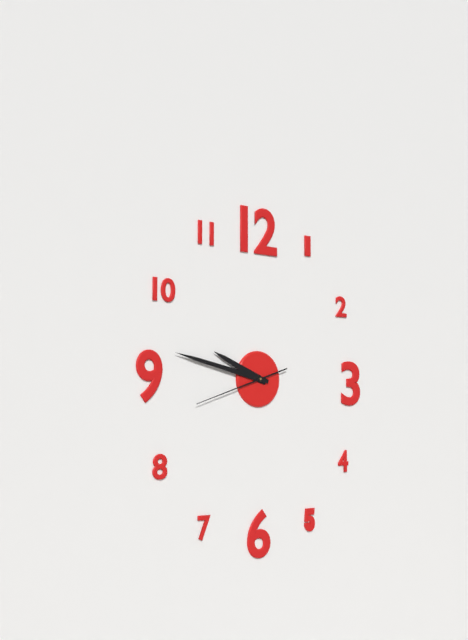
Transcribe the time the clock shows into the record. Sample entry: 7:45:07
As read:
9:47:42
